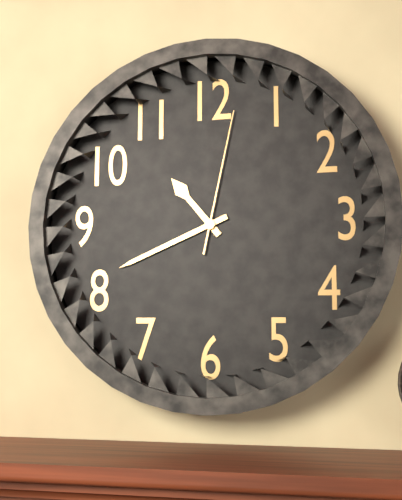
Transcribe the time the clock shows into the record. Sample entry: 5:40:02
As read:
10:41:02
